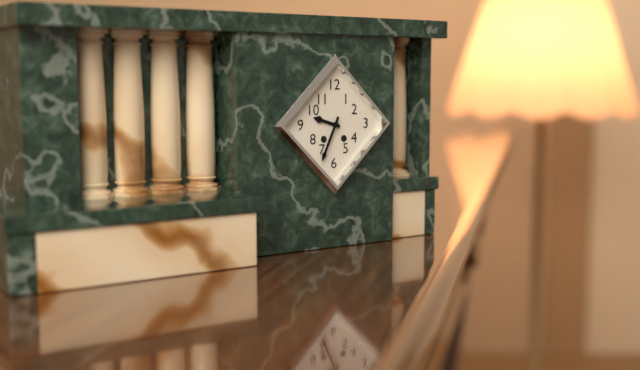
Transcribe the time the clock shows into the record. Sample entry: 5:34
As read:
9:34
